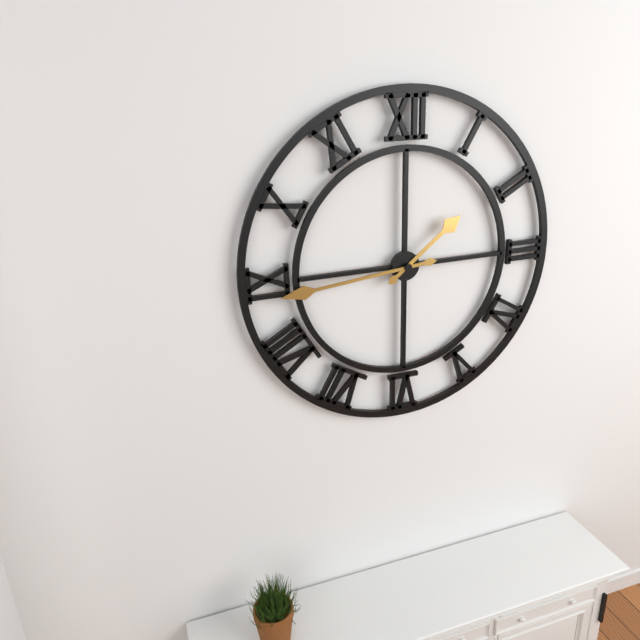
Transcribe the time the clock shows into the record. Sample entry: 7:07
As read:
1:44
